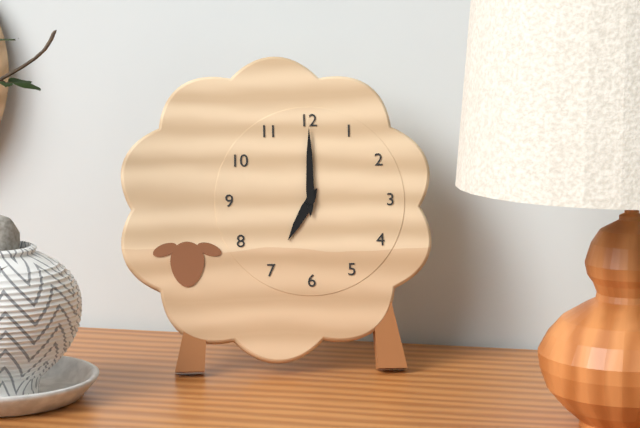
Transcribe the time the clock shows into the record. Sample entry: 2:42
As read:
7:00
